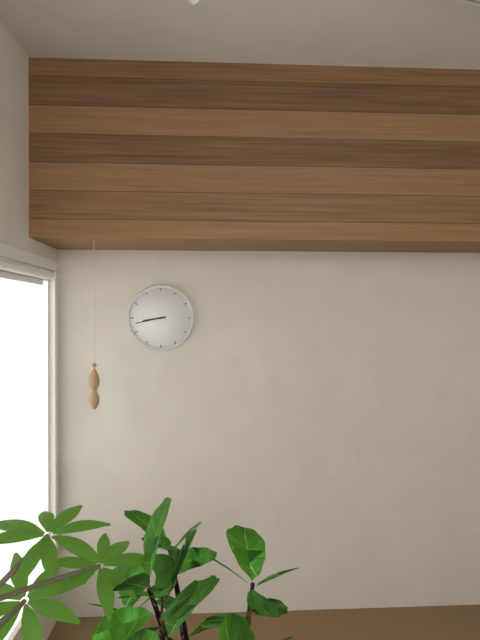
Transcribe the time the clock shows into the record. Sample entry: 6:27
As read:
8:43
